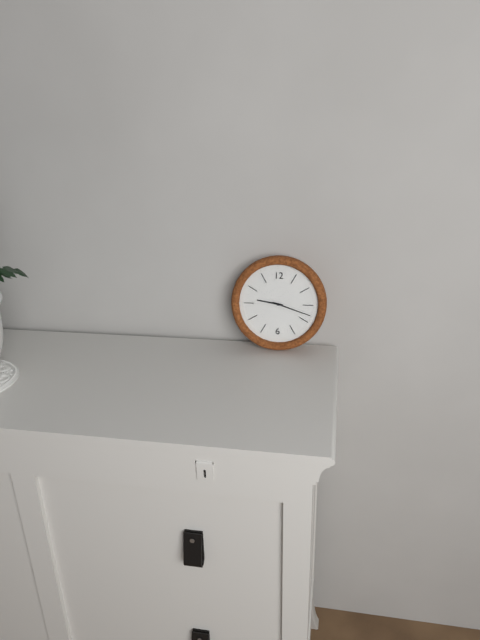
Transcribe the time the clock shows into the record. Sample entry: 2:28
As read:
9:18
